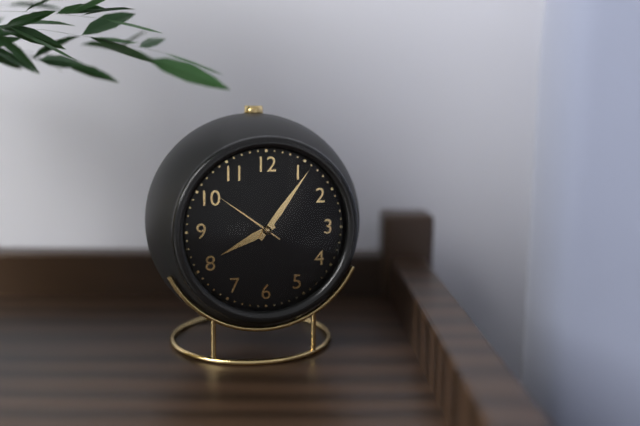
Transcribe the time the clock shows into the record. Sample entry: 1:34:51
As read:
8:06:51
